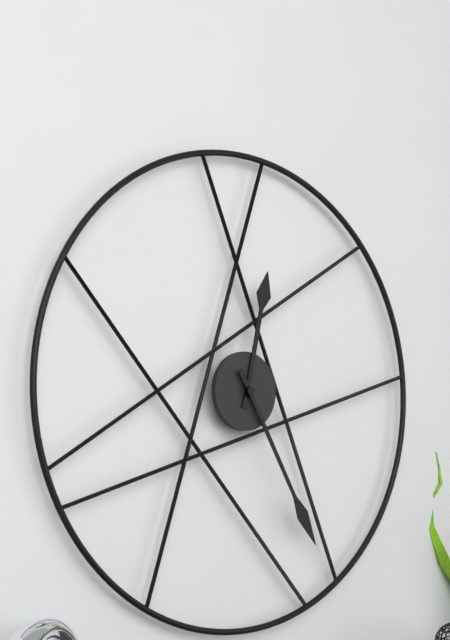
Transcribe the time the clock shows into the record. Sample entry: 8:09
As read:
12:25
